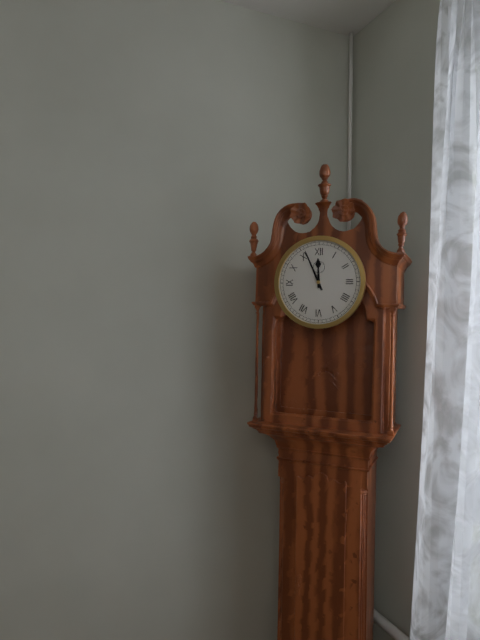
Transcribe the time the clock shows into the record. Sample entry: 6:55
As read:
11:56
